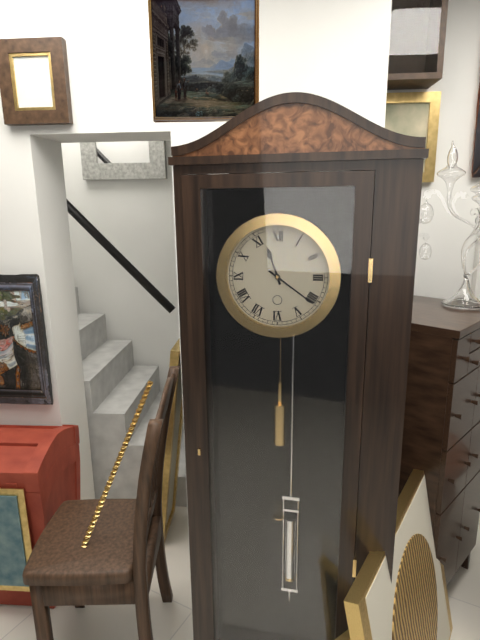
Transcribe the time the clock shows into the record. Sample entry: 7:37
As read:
11:21
